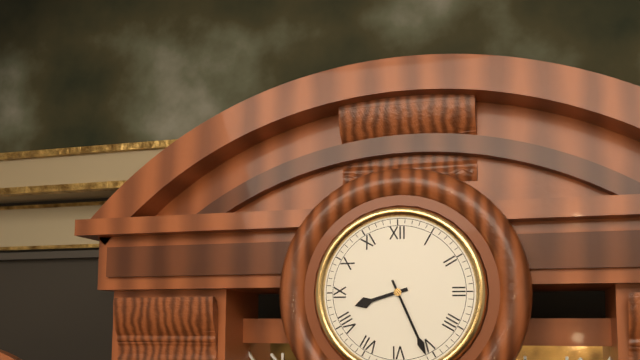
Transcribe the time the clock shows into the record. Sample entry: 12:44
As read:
8:26
